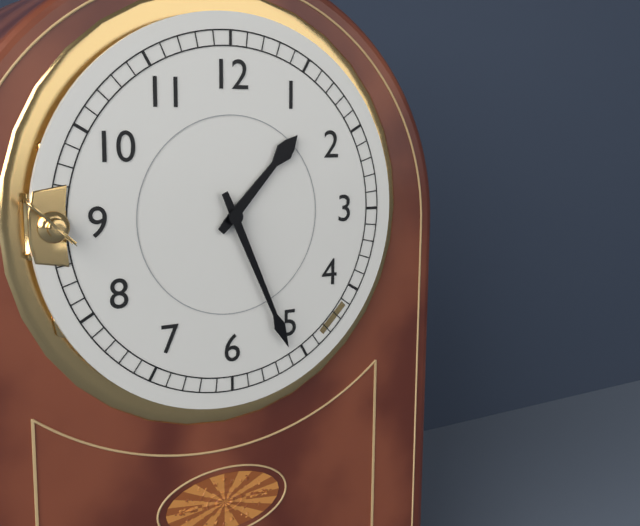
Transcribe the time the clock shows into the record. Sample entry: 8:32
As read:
1:26
